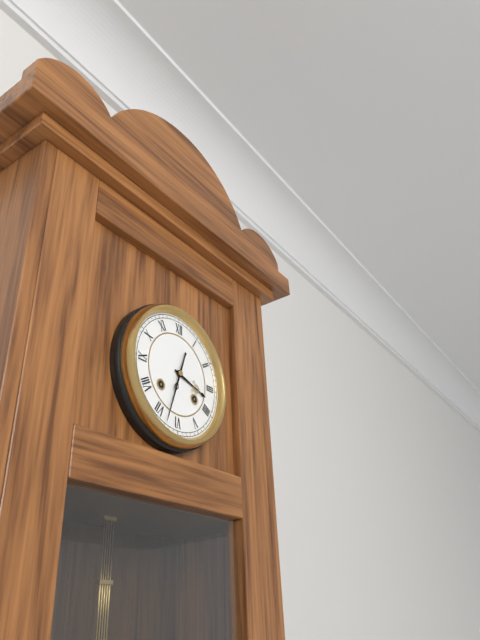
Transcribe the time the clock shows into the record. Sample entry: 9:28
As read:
3:33
